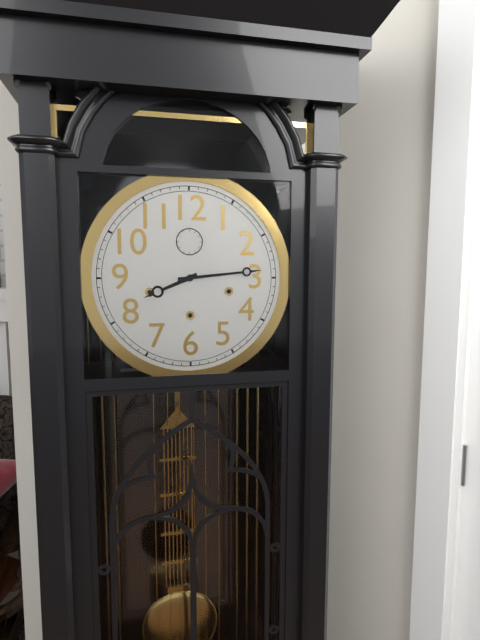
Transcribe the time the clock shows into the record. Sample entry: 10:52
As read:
8:14
